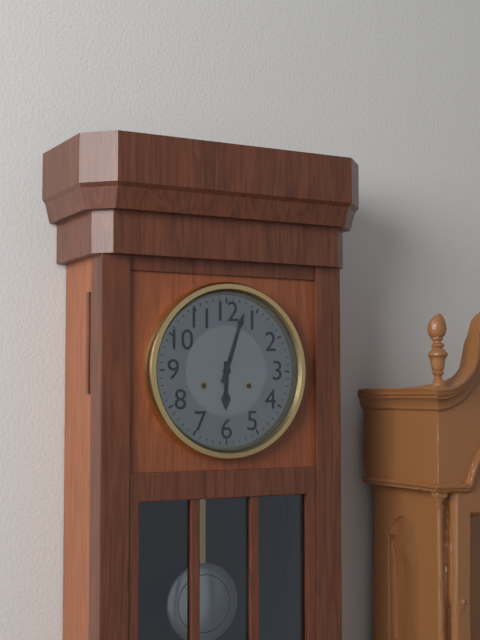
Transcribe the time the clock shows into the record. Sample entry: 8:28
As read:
6:03
